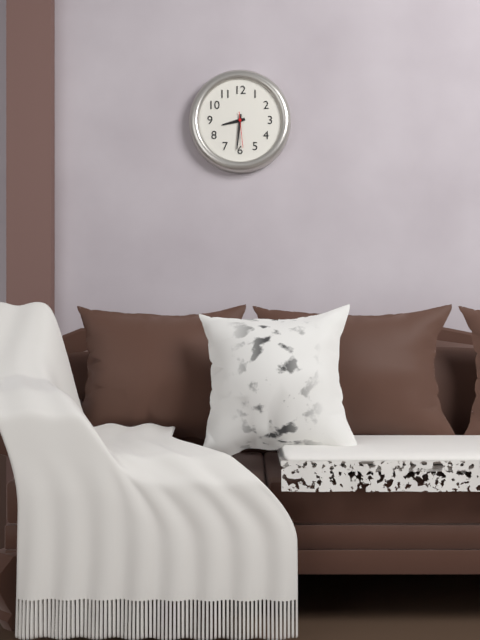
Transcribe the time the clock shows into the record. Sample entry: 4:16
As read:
8:31
